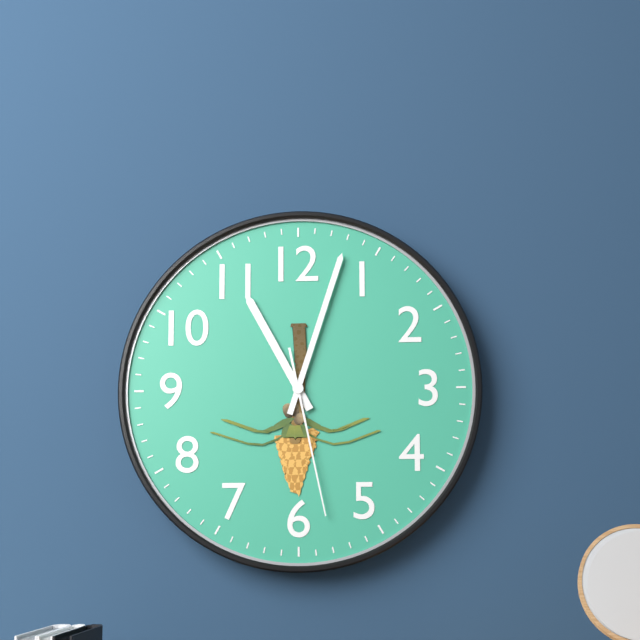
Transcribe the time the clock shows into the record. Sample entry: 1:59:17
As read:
11:03:28
